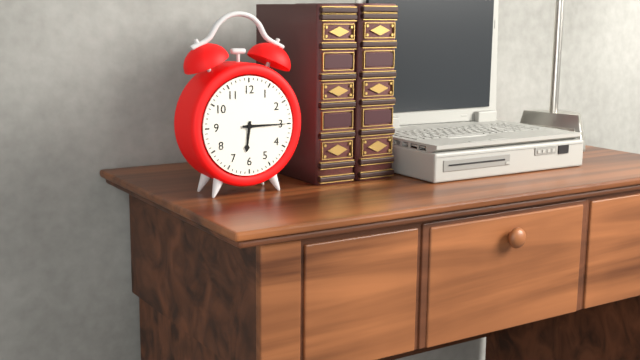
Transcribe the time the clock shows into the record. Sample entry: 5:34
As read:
6:15
